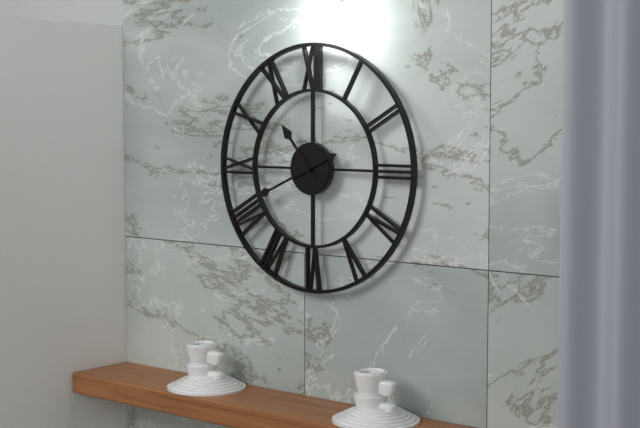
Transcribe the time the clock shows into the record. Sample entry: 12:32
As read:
10:41
